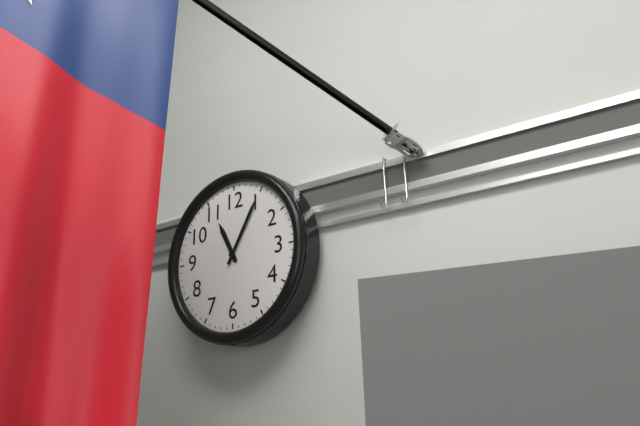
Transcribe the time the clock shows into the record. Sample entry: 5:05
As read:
11:05
